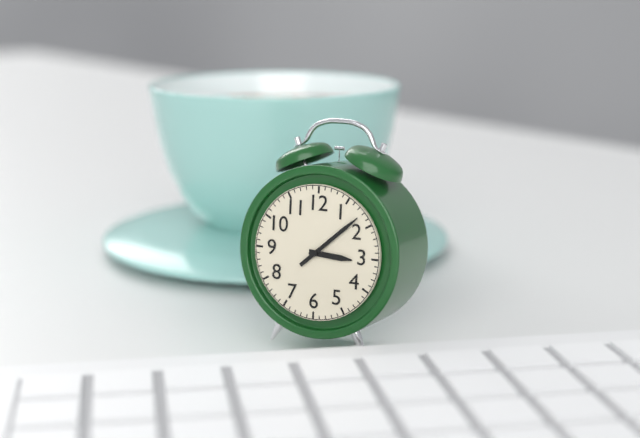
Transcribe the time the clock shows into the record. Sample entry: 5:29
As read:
3:08
